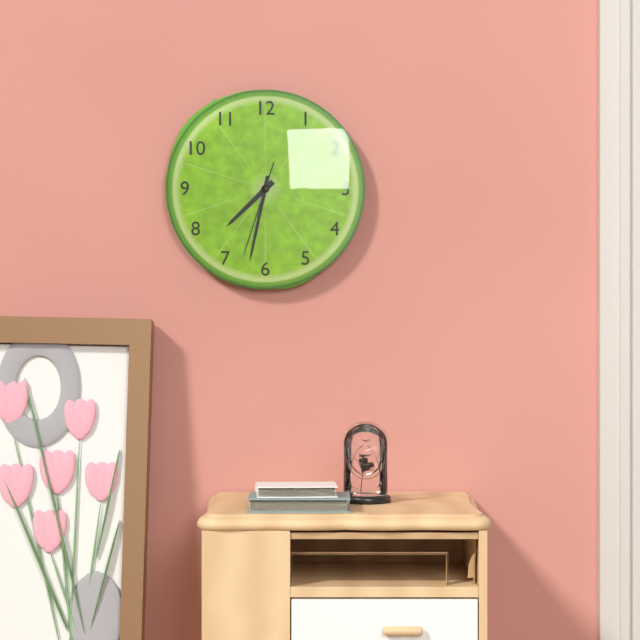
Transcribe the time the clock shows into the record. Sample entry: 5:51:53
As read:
7:32:33
